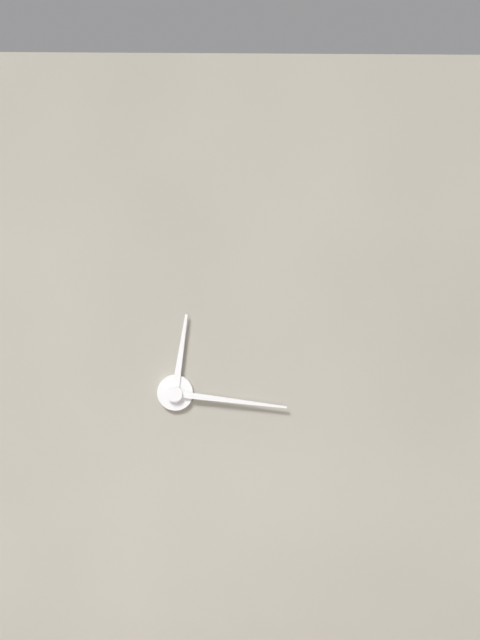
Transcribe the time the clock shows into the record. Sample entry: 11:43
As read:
12:16
